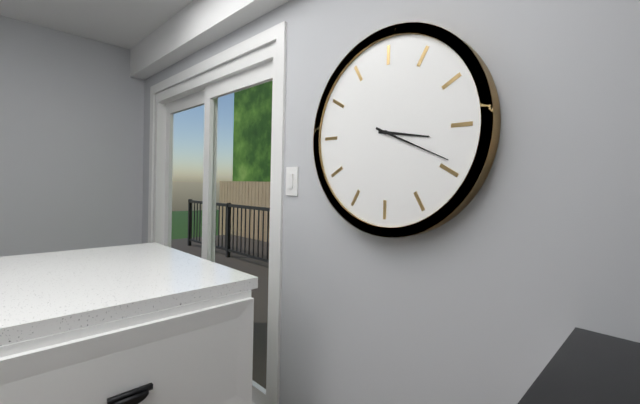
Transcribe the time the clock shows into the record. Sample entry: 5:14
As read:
3:19
